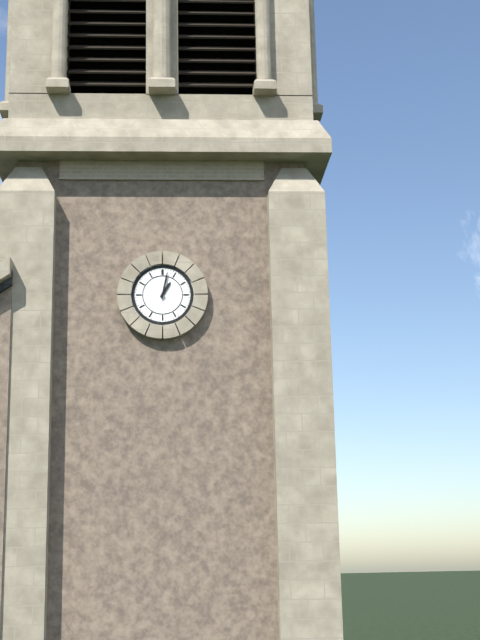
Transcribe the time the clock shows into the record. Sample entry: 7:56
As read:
1:02
